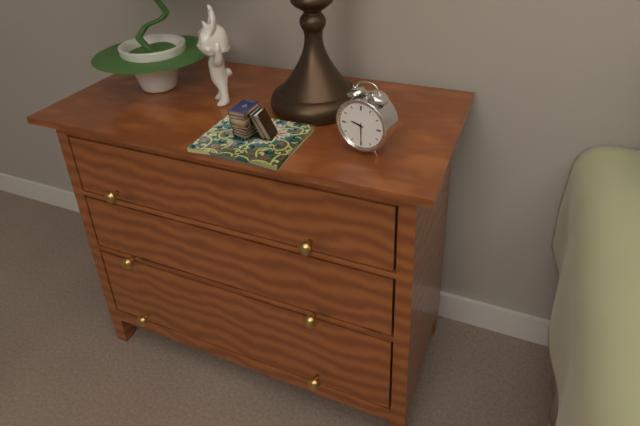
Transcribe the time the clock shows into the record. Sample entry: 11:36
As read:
9:30
